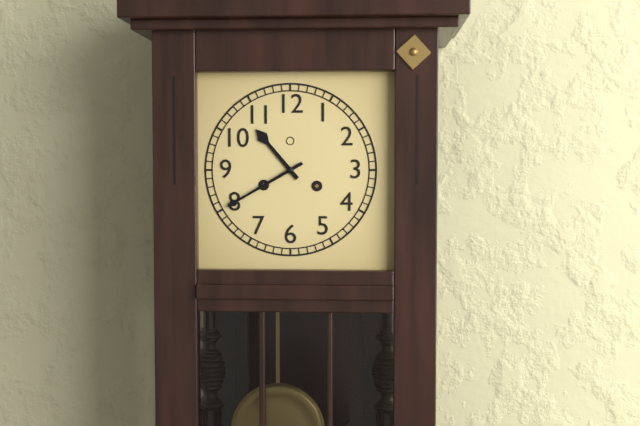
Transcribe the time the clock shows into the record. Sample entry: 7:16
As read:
10:40
